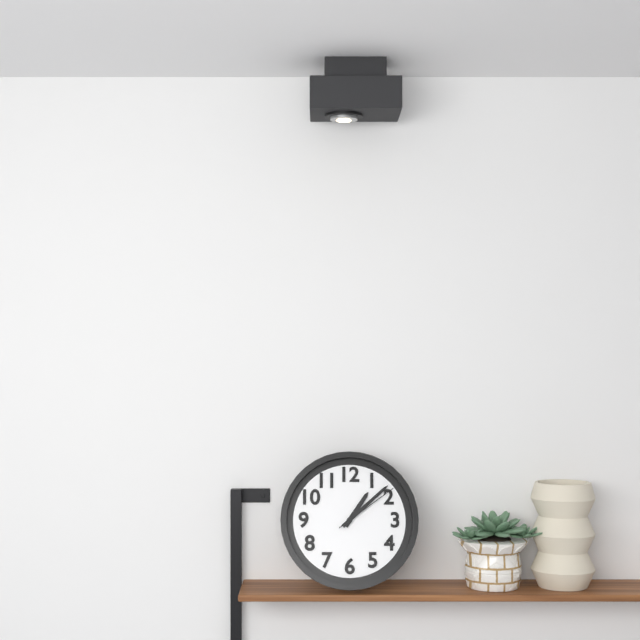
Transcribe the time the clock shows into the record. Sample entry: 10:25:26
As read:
1:08:09
